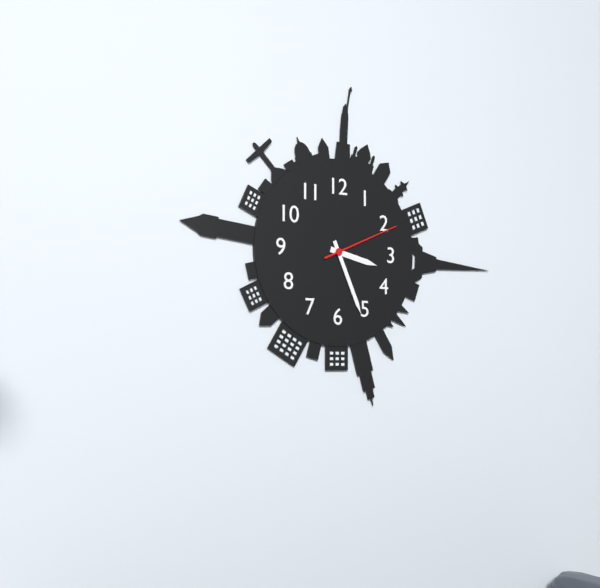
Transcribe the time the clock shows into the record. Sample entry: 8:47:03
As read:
3:26:11
